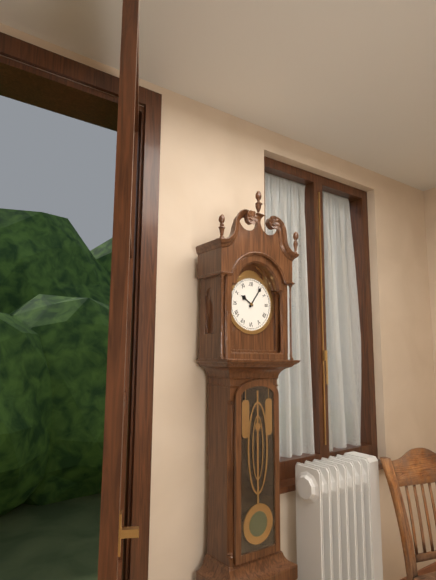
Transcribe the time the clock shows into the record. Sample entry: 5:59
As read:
10:06
